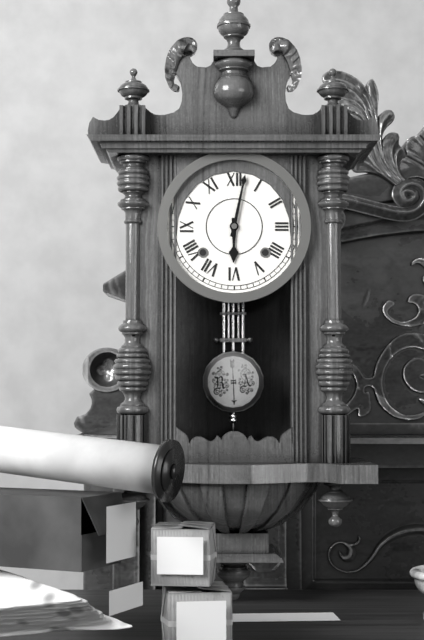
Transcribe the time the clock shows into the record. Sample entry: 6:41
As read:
6:02
